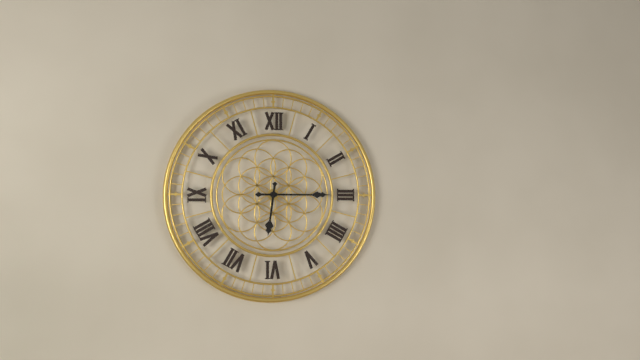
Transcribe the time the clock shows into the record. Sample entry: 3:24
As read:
6:15
